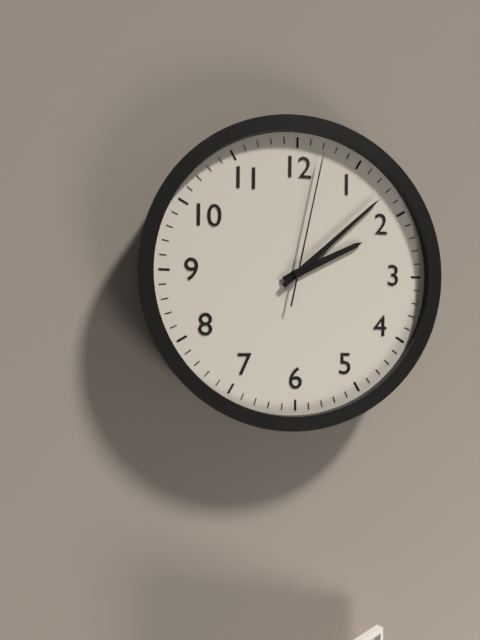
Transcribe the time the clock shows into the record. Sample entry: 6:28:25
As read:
2:08:02
